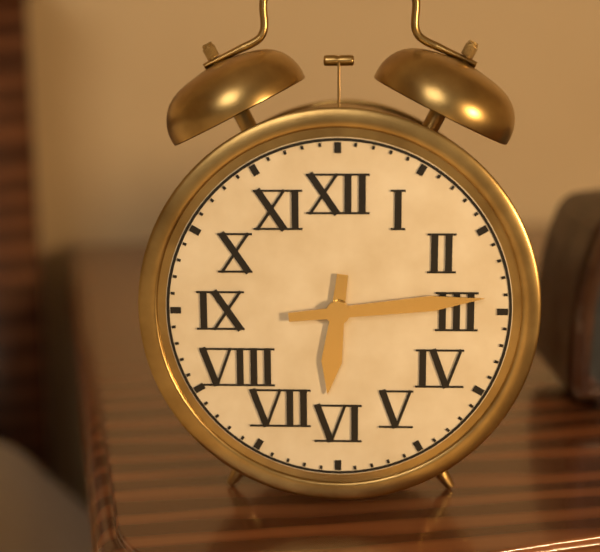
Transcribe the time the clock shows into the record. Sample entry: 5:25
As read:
6:14
